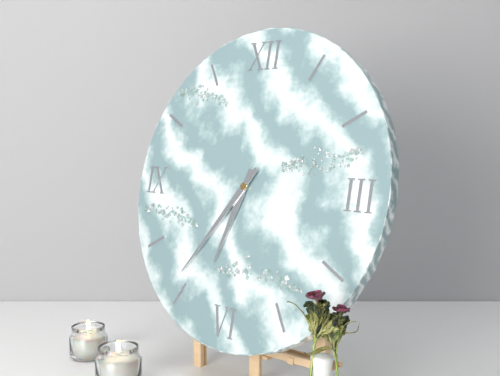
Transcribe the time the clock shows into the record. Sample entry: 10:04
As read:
6:36
